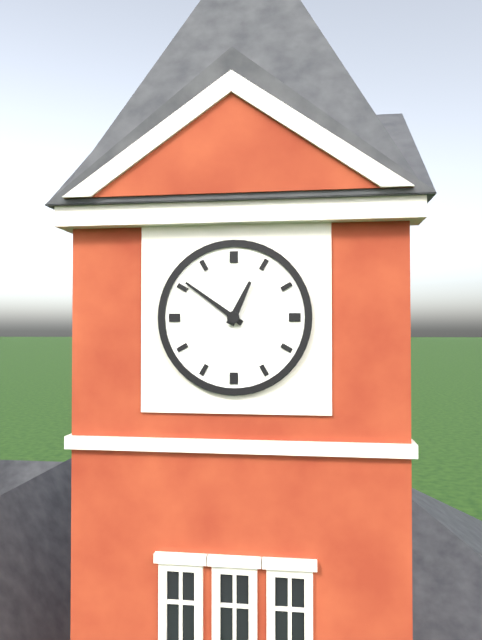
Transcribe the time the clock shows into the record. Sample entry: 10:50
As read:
12:51
